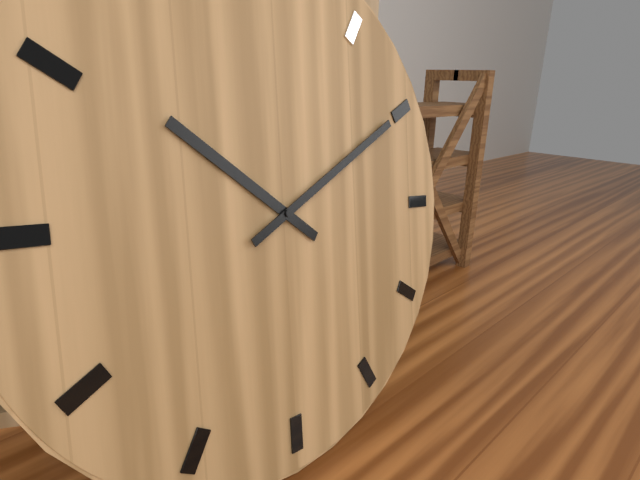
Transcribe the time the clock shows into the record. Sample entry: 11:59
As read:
10:10
